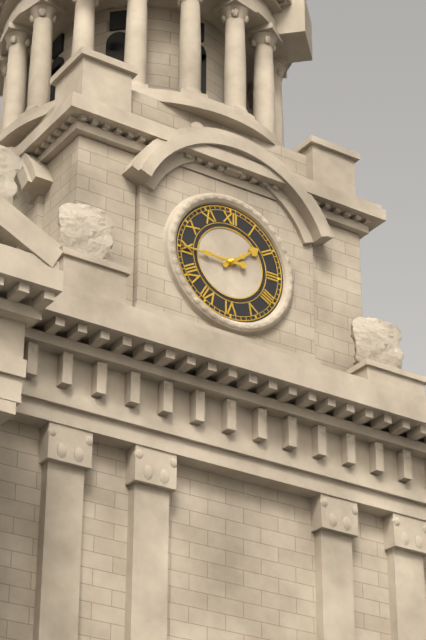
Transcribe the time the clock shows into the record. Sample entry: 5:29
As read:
1:45
